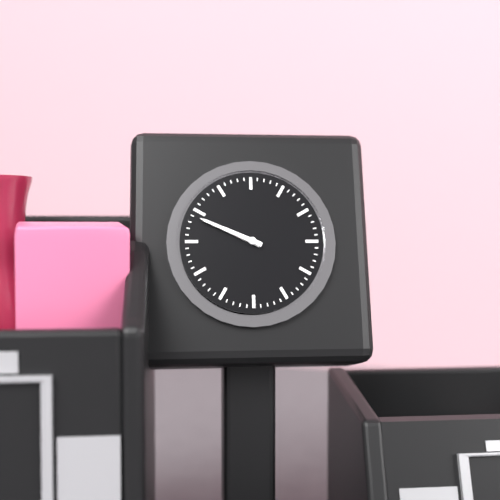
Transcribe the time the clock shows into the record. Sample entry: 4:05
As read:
9:49
